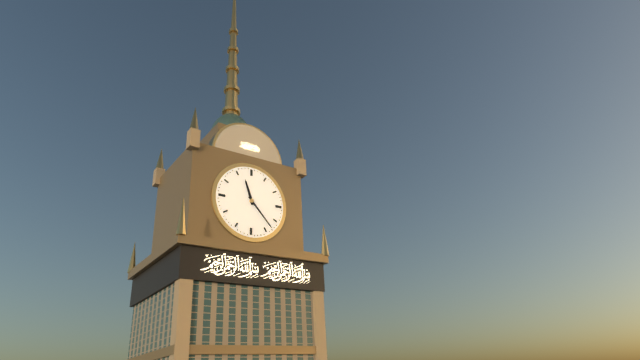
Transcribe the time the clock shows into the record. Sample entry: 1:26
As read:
11:23
